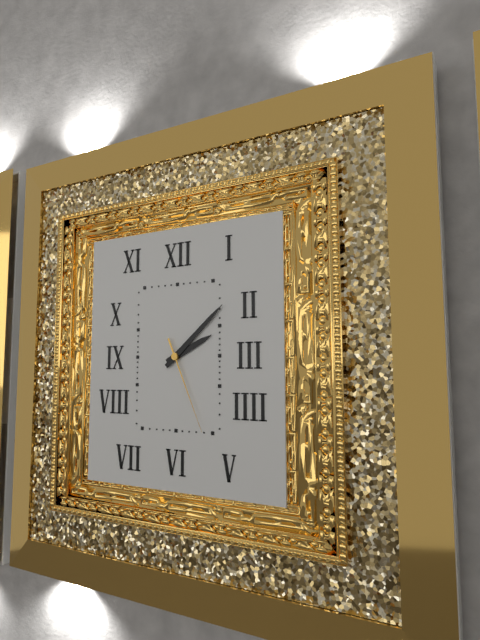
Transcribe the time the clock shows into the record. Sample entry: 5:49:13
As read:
2:08:26
